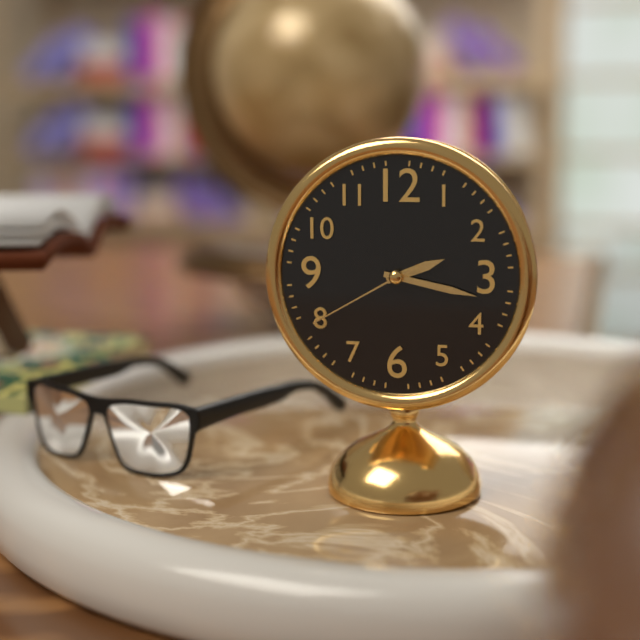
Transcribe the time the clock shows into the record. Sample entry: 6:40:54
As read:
2:17:40
